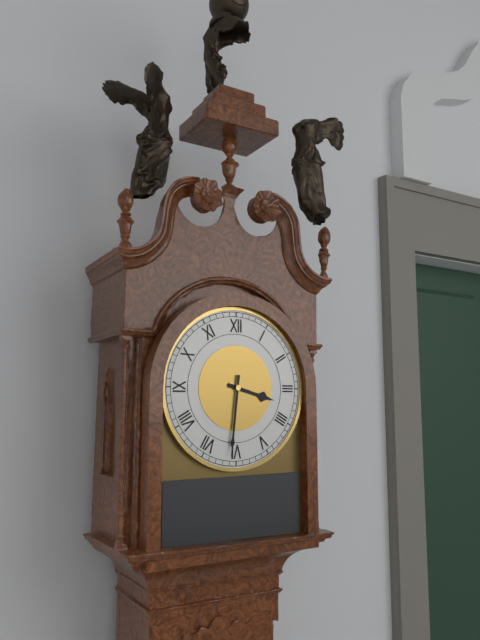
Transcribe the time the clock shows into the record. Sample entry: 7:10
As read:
3:31
